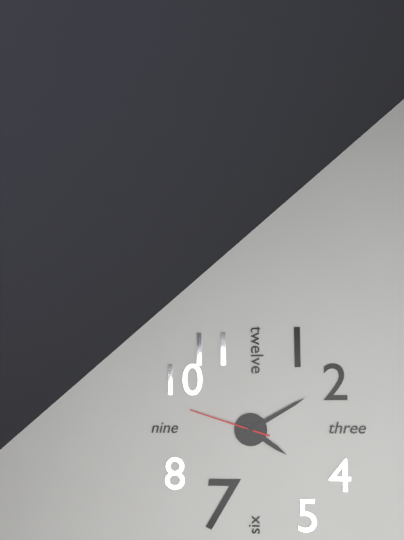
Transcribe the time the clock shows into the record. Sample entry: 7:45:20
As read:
4:10:48
